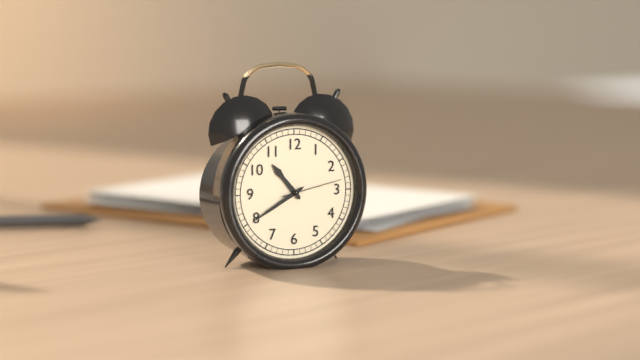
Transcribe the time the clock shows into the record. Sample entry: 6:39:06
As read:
10:40:13
